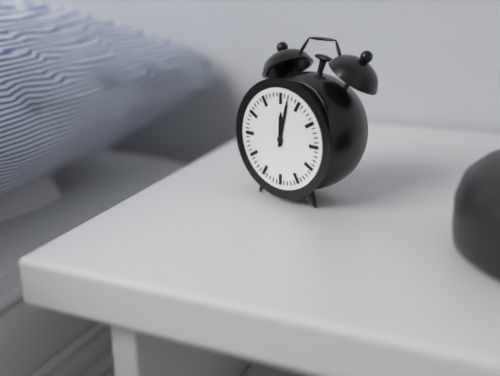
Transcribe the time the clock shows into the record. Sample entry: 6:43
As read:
12:02
